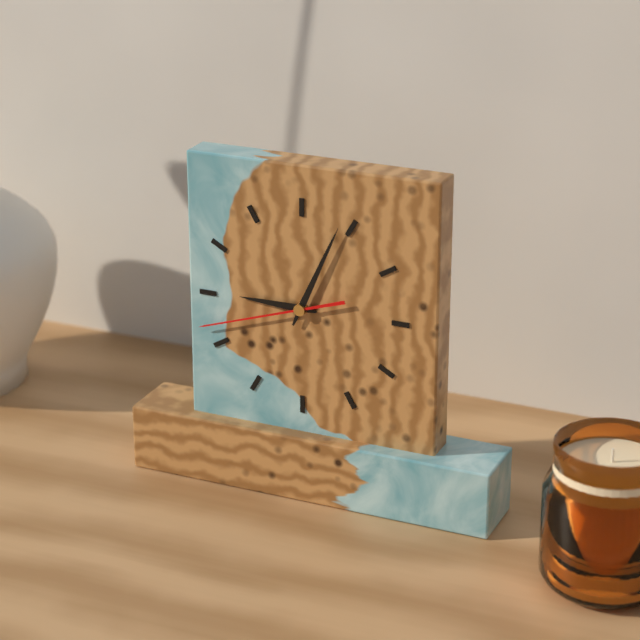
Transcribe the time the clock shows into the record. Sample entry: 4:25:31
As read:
9:04:42
